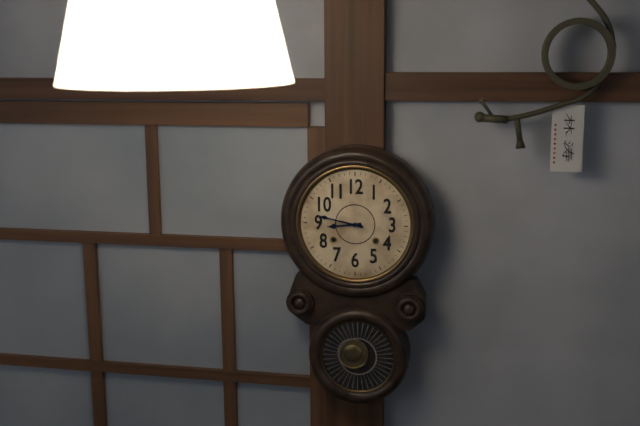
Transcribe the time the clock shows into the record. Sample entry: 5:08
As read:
8:47
